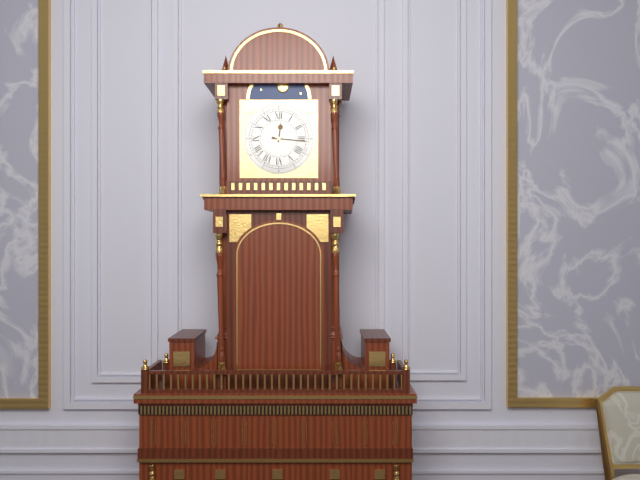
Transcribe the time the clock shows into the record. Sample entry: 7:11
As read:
12:16
